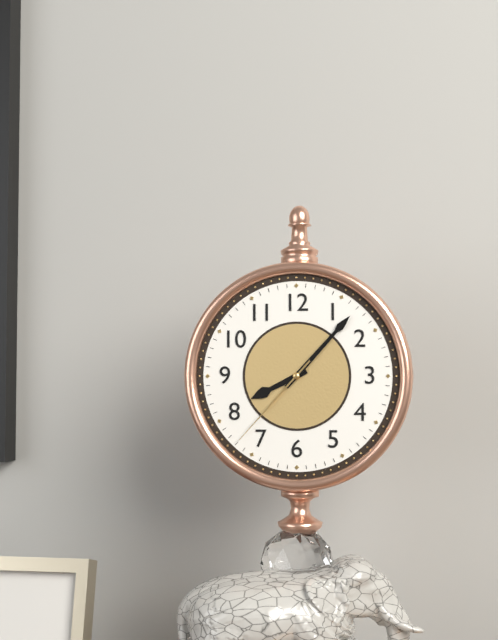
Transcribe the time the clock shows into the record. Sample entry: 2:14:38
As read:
8:07:37
